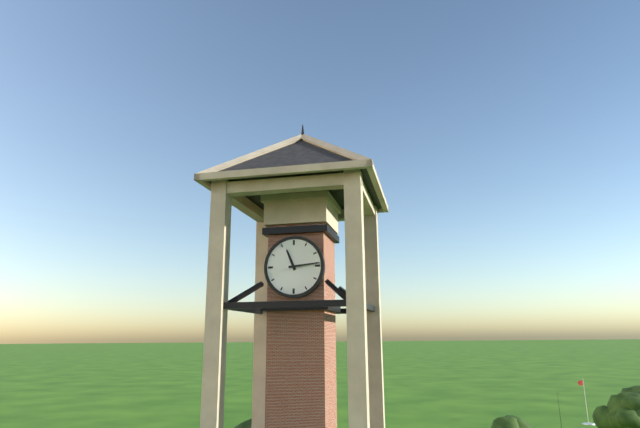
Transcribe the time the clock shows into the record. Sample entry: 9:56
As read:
11:14
